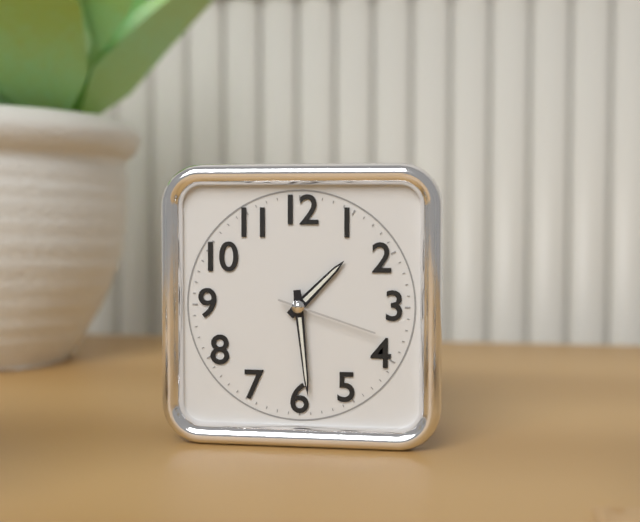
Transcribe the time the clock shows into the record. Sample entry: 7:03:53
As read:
1:29:18
